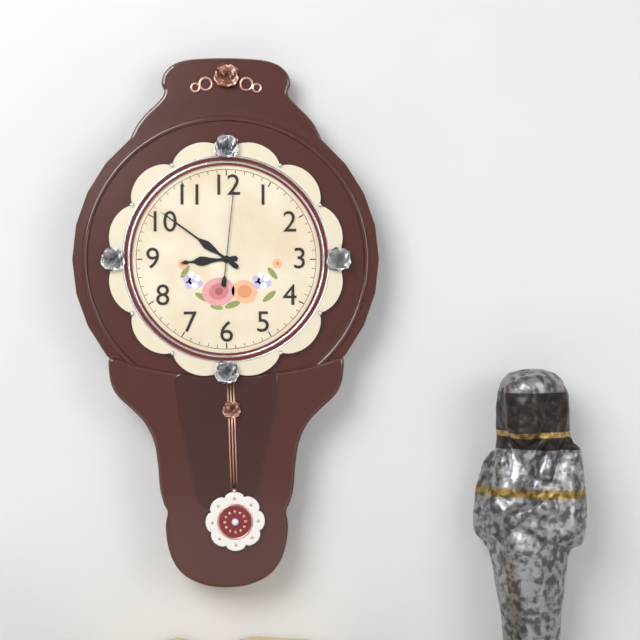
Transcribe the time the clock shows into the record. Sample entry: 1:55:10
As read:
8:51:01
